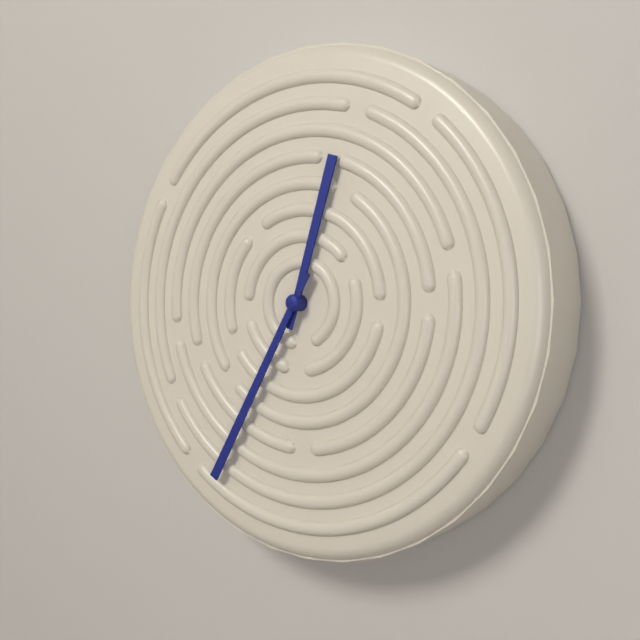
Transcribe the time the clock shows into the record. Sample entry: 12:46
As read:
12:35
